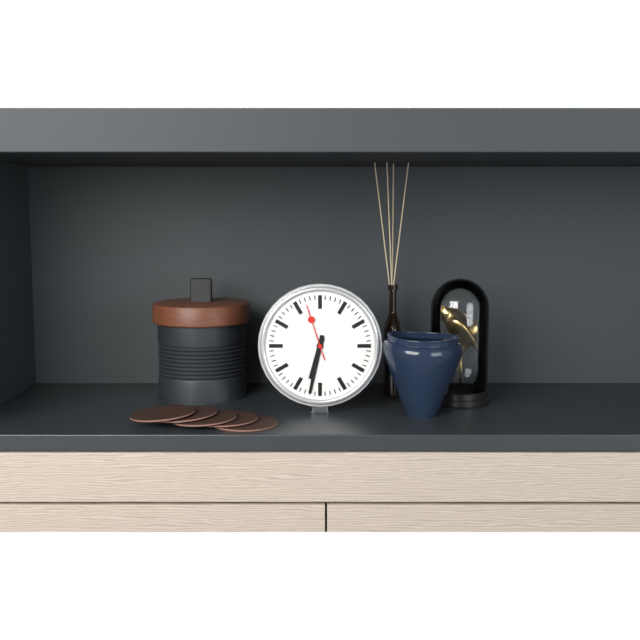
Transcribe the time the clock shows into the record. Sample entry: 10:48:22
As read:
6:32:57
